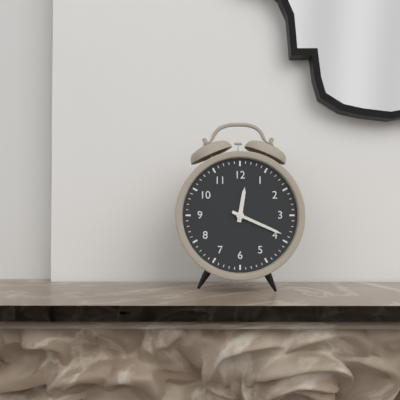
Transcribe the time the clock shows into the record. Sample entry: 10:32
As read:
12:19
